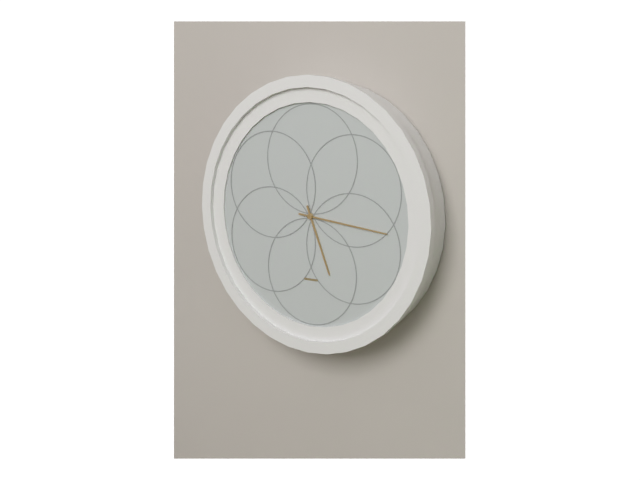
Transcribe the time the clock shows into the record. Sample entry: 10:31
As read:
5:16
